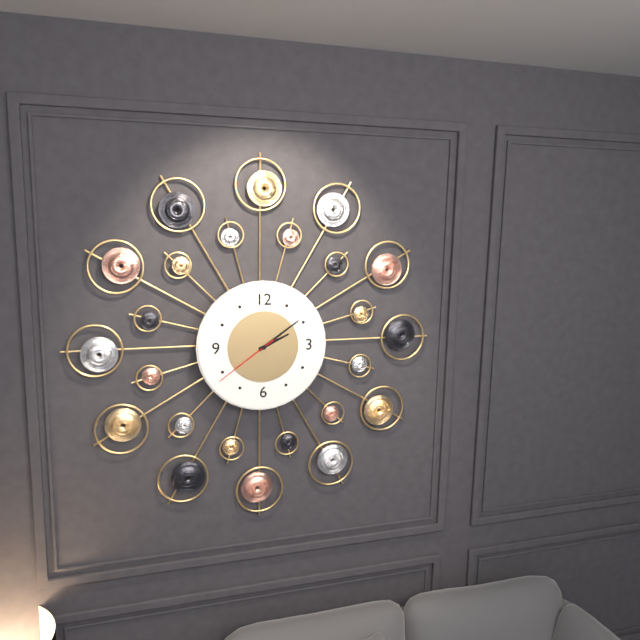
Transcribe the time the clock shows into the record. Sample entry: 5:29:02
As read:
2:09:39
